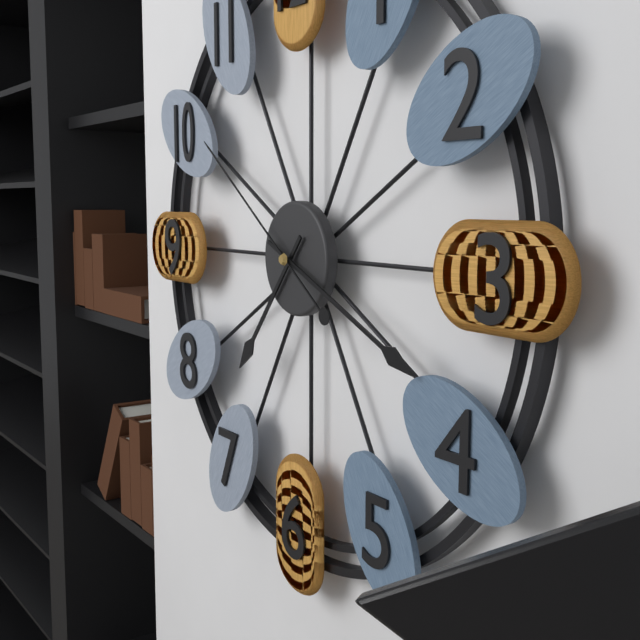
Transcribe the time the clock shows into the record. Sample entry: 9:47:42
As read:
7:19:51
